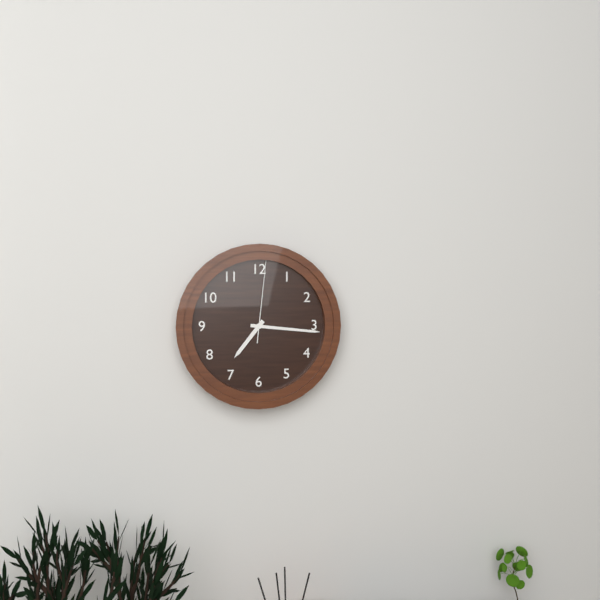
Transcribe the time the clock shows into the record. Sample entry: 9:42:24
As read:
7:16:01
